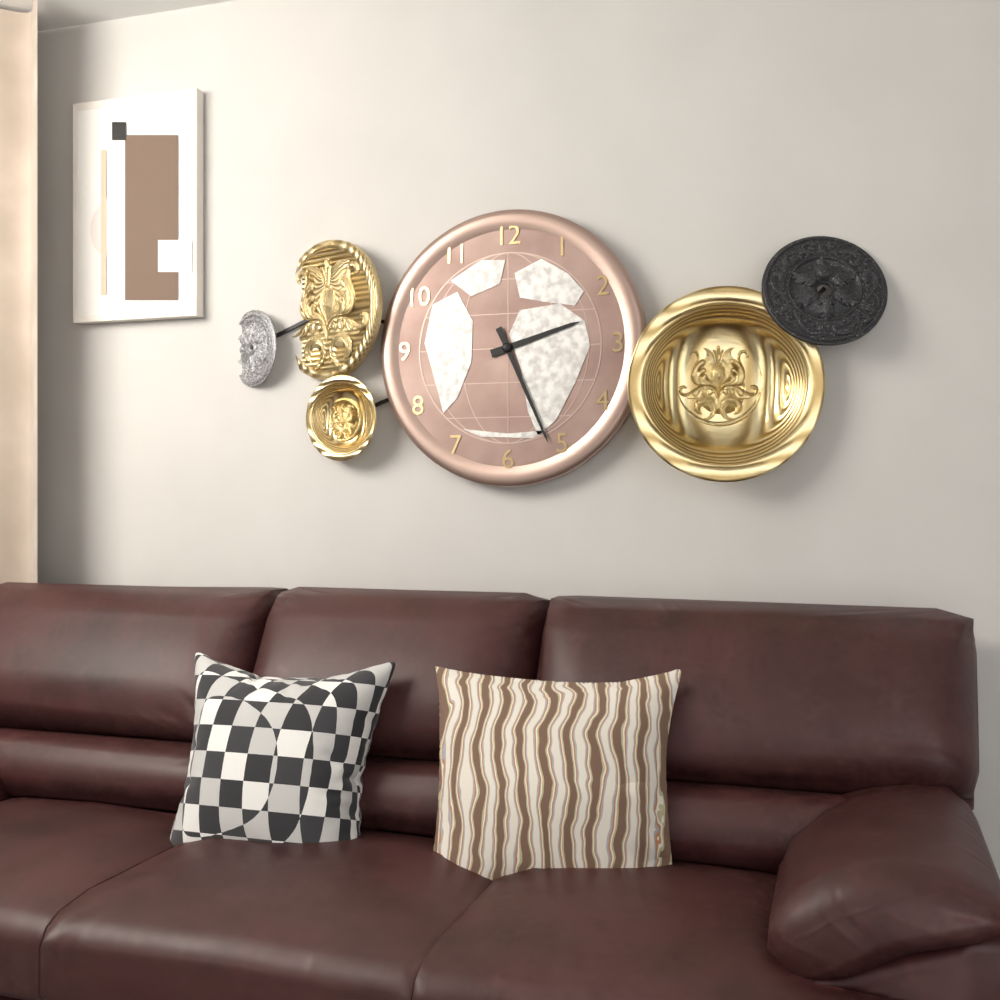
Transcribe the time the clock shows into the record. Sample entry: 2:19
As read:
2:26
